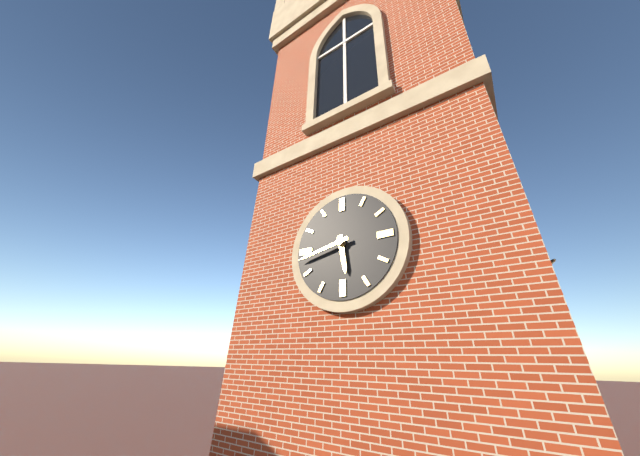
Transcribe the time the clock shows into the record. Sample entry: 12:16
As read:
5:43
